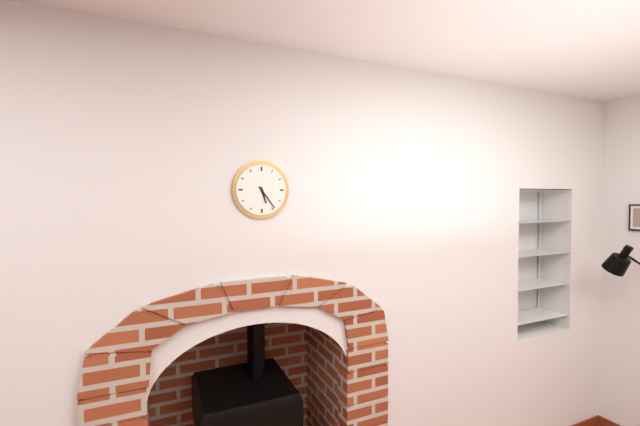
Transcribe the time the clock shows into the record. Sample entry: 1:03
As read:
5:24
